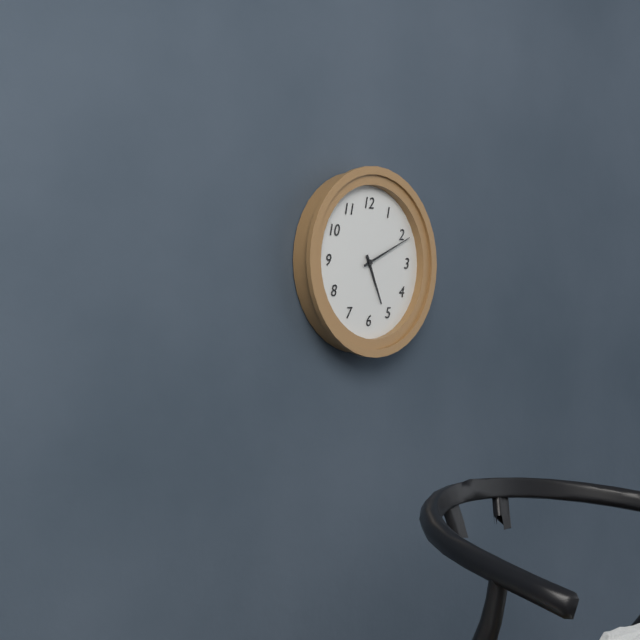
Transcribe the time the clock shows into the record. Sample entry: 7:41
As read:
5:11
